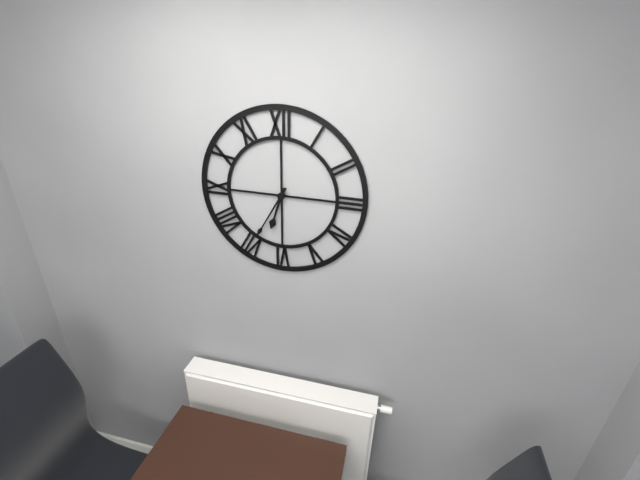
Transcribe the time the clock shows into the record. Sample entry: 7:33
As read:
6:35
